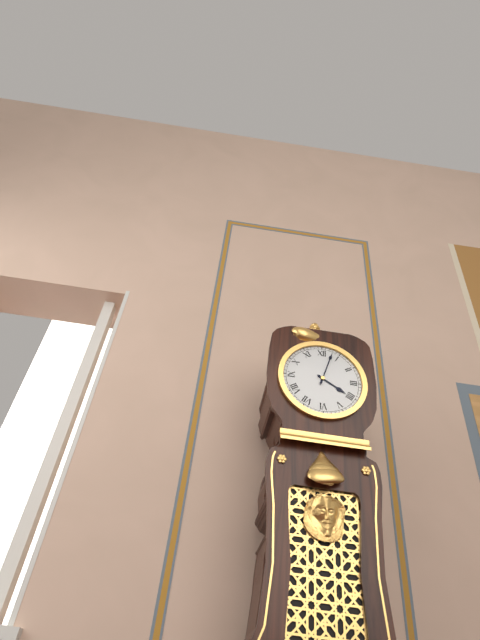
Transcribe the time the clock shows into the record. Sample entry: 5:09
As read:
4:03
